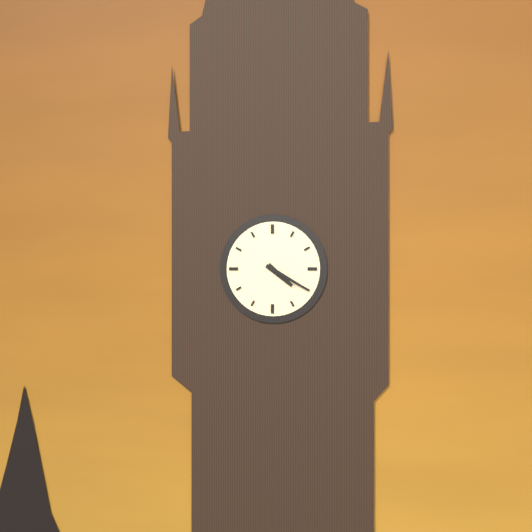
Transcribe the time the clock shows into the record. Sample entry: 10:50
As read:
4:20
